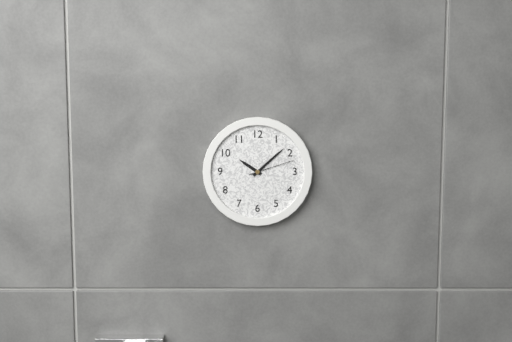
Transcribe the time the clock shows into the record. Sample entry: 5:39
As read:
10:08
